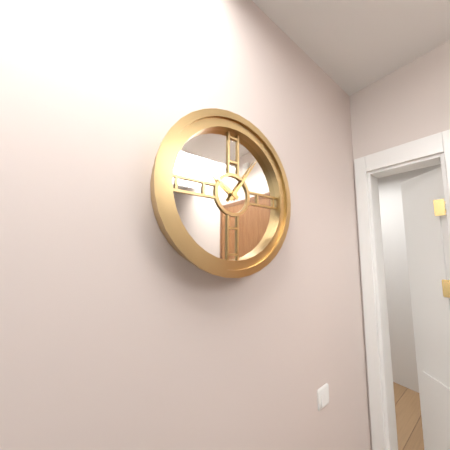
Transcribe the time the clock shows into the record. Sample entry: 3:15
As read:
10:06
